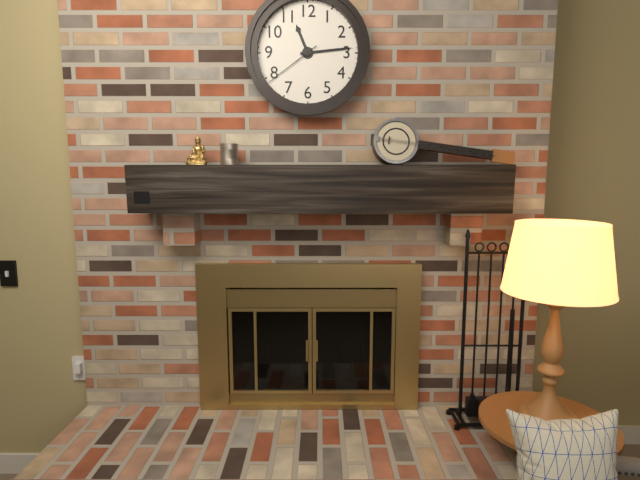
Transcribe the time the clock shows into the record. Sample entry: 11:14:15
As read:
11:14:39
